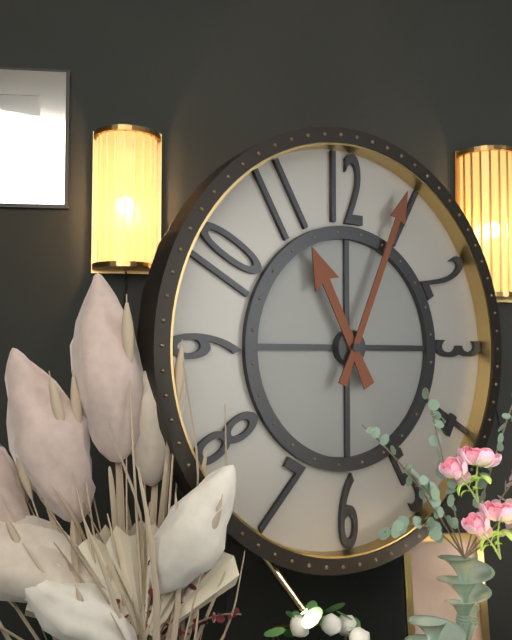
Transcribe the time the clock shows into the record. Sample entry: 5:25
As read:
11:04
